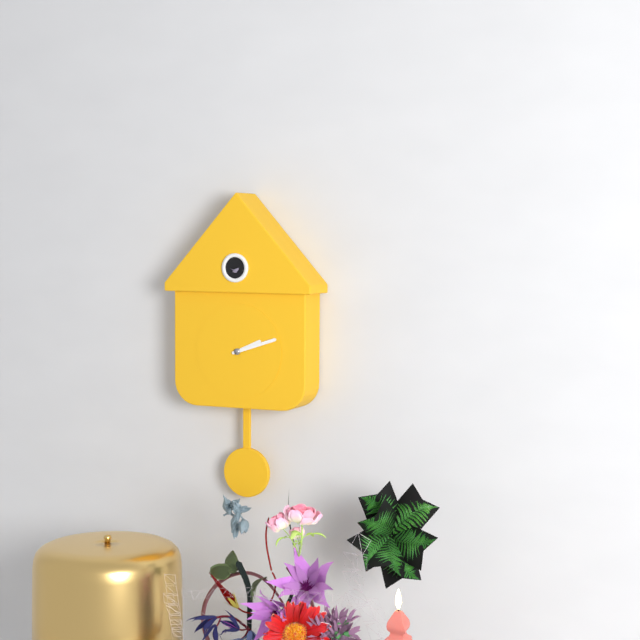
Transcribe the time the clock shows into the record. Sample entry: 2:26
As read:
2:12
